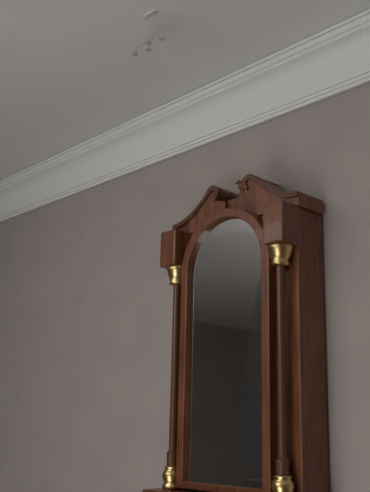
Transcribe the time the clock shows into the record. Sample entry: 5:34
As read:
10:55
